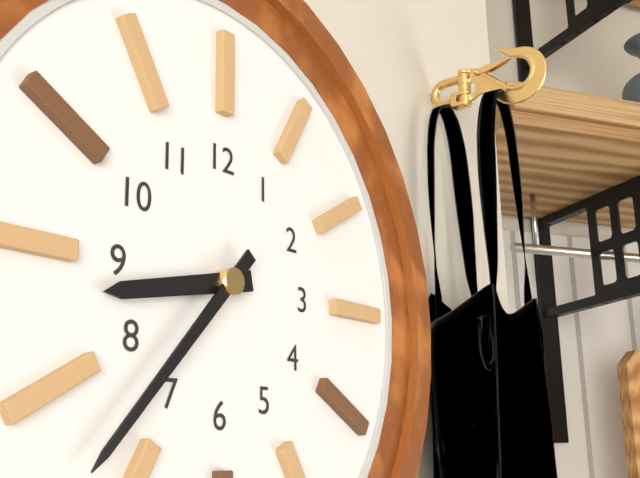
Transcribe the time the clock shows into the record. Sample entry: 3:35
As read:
8:37
